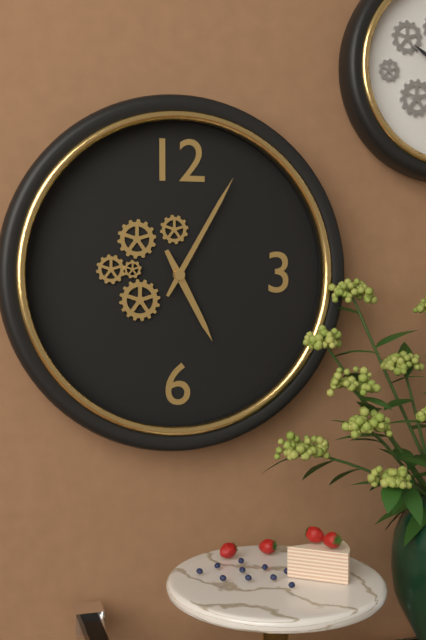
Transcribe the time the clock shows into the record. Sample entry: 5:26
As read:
5:05
